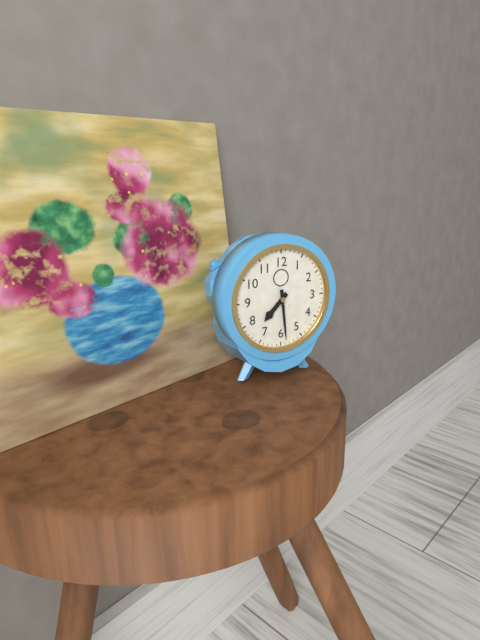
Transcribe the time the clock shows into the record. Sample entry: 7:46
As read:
7:29
